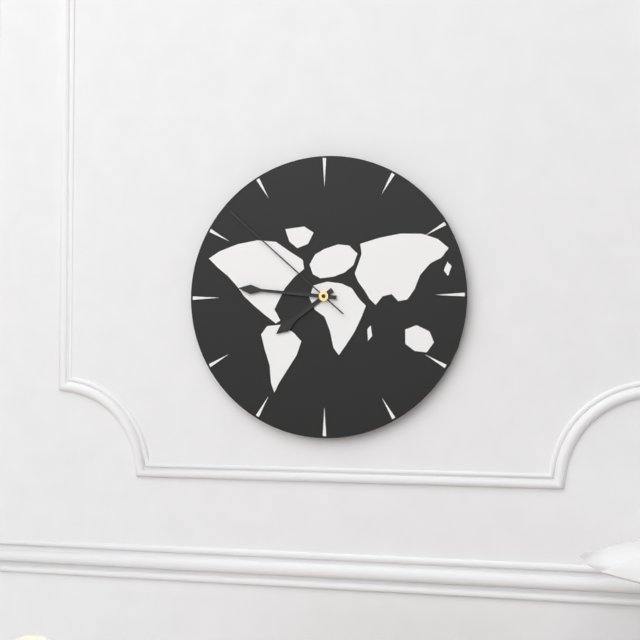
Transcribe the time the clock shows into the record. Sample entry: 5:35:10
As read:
7:46:52
